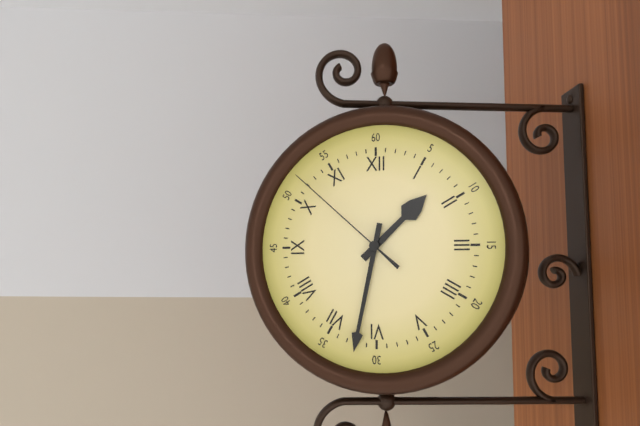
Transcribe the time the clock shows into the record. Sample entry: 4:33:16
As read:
1:32:52
